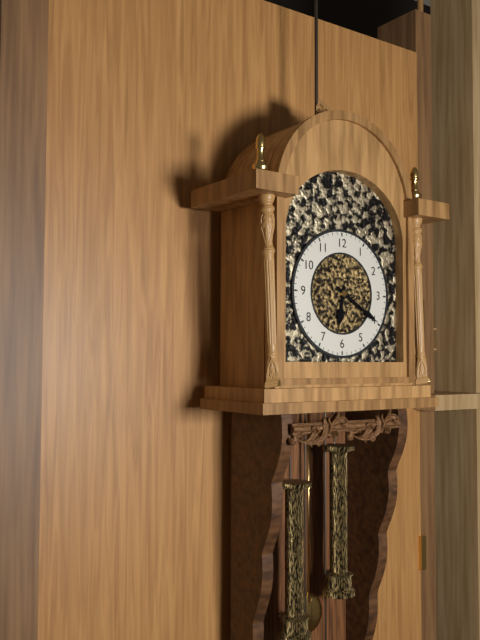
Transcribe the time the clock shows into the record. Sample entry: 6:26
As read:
6:20
